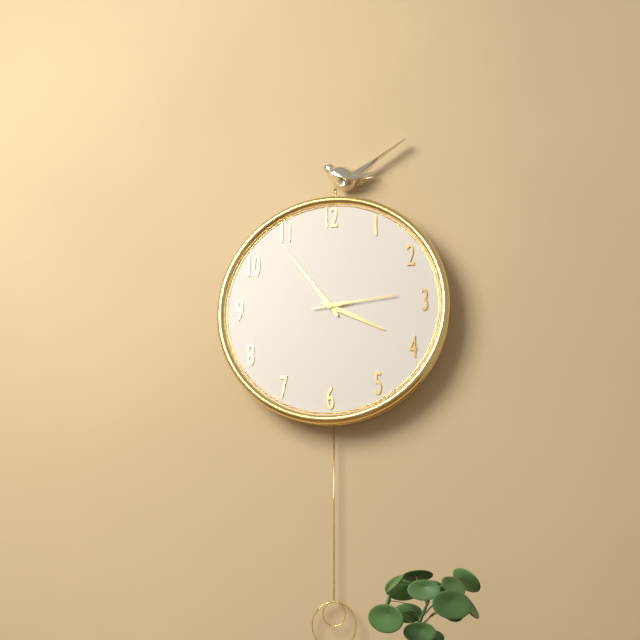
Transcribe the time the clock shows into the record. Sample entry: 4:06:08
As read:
3:54:14
